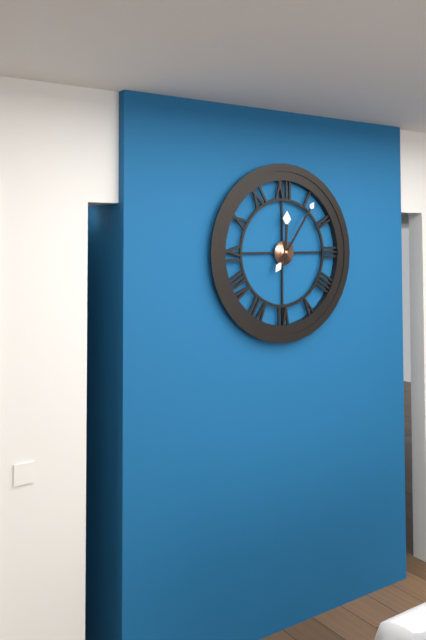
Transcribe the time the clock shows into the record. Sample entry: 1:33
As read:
12:06
